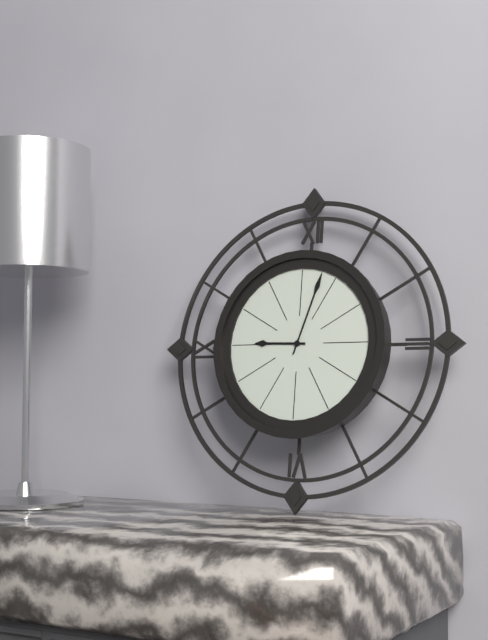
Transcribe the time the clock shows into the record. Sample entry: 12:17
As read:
9:03
